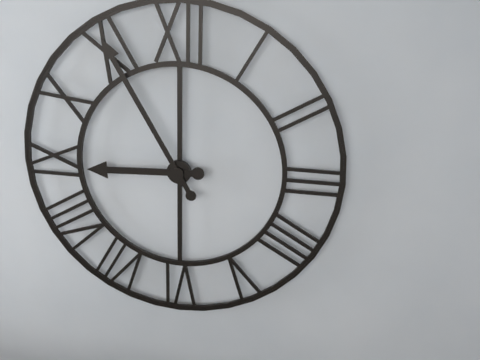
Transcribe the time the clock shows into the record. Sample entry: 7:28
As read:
8:55
